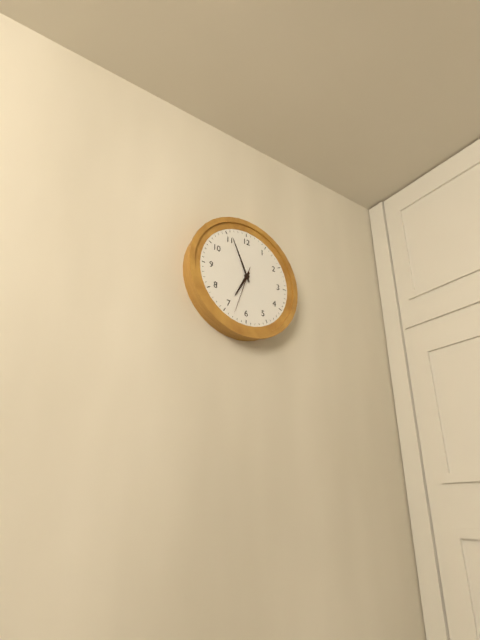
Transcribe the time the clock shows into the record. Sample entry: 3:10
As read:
6:56
